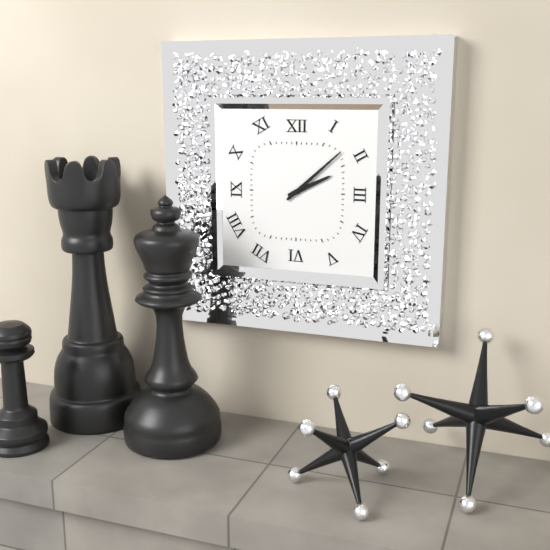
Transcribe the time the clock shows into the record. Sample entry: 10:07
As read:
2:08
